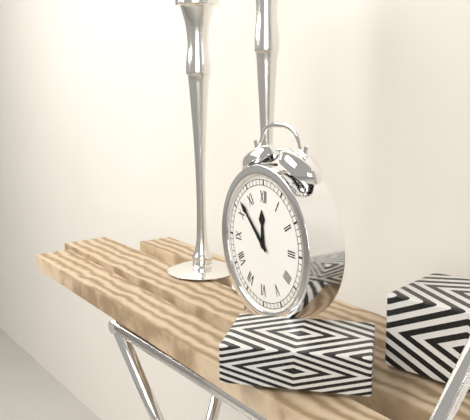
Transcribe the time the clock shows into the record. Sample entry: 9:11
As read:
11:52
